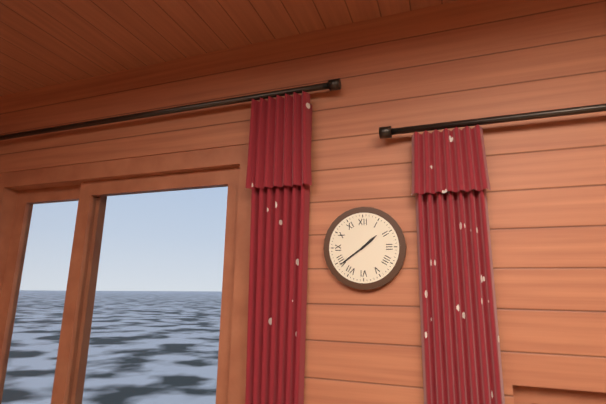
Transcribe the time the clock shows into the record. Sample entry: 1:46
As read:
1:39
